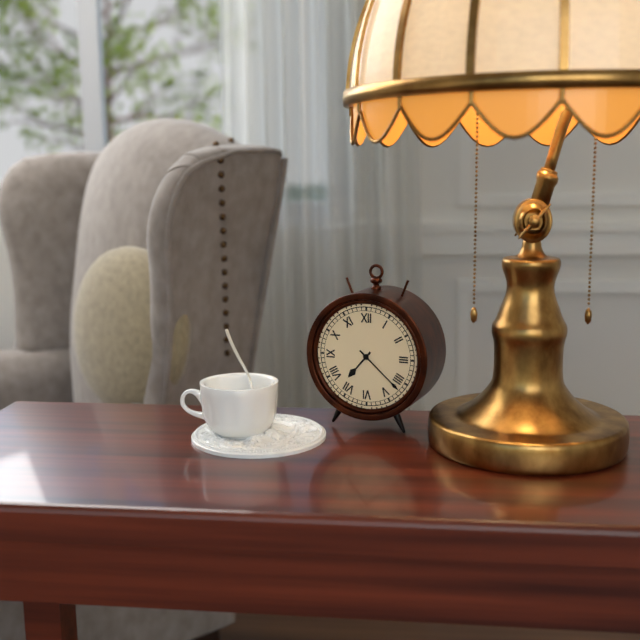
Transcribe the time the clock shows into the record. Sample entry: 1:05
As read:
7:22
